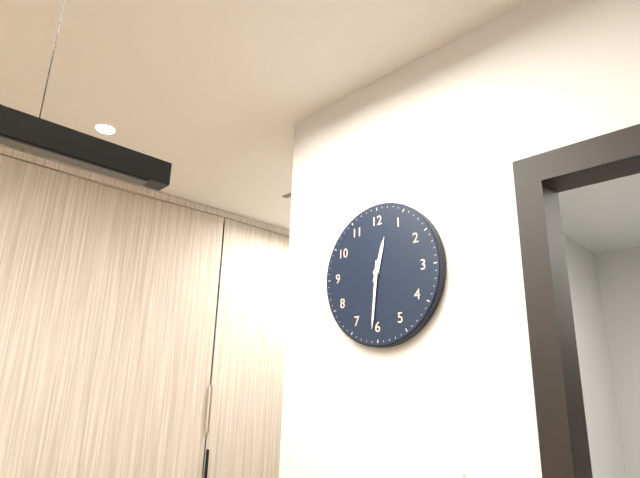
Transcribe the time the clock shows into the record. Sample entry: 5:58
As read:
12:31
